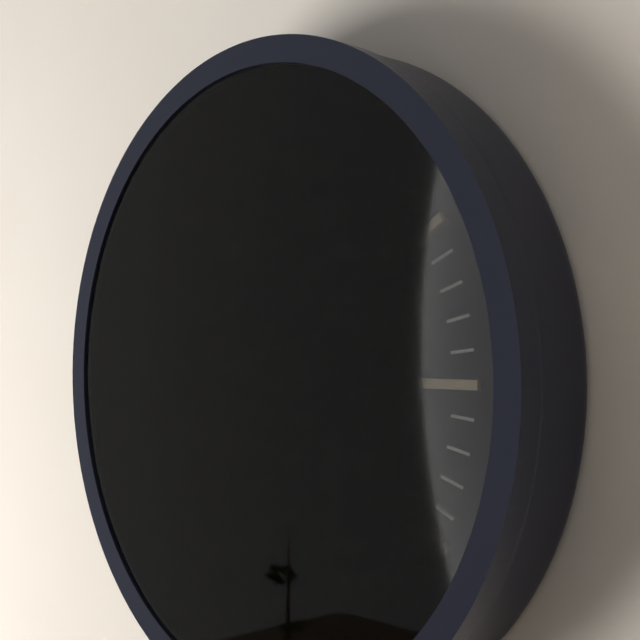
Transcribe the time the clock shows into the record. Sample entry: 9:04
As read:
9:26
